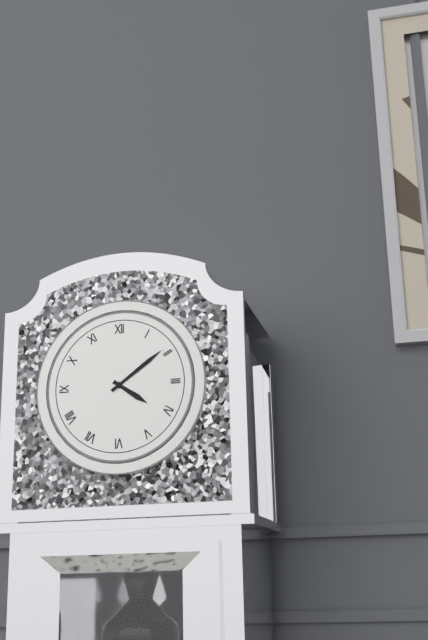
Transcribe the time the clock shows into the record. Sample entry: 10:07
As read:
4:09
